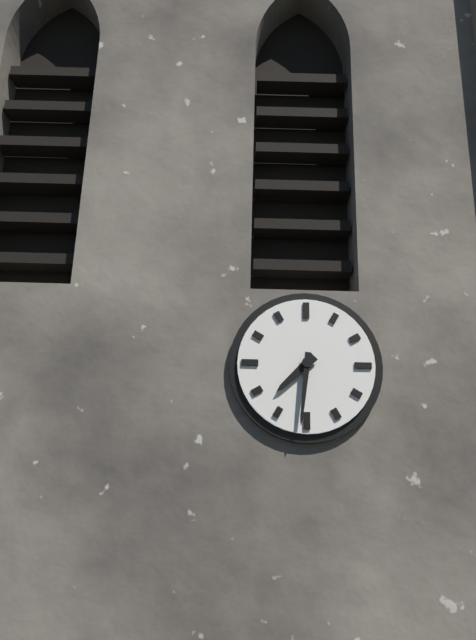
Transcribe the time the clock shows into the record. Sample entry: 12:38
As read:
7:31
